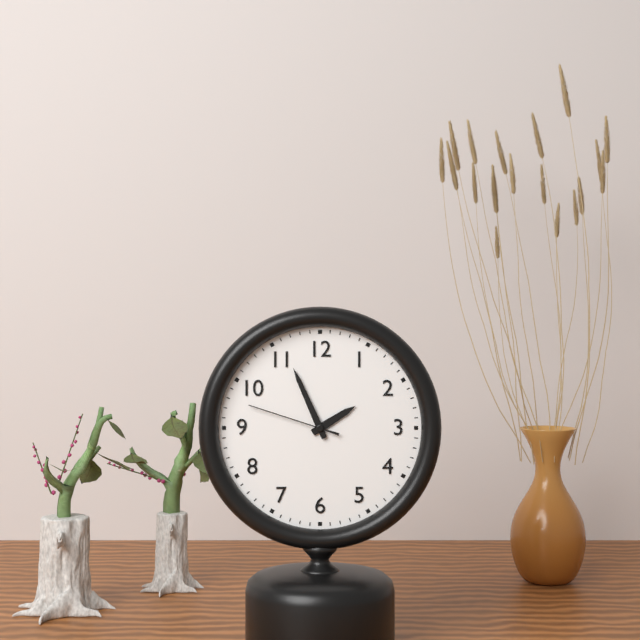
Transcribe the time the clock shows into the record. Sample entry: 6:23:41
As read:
1:56:48
